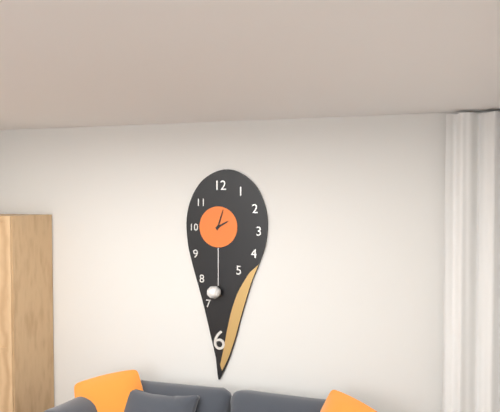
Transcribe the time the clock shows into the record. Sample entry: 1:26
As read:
2:03
